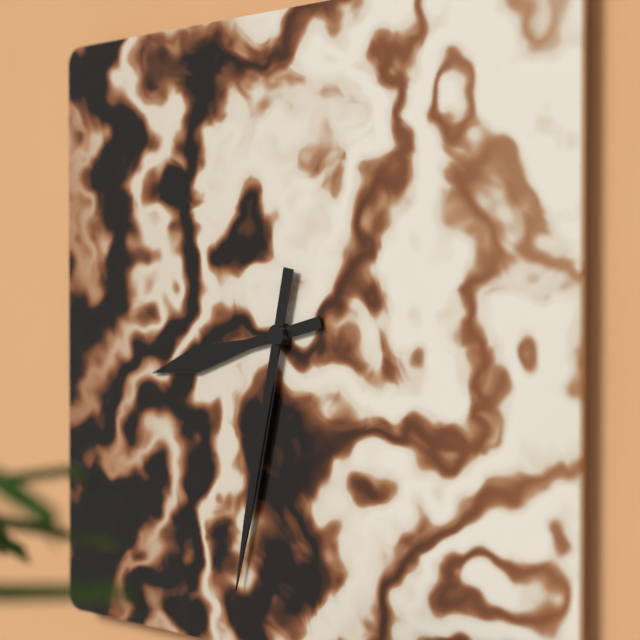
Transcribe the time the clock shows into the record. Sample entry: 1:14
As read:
8:32
